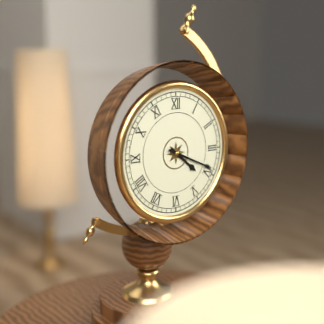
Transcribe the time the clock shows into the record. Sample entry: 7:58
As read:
4:19
